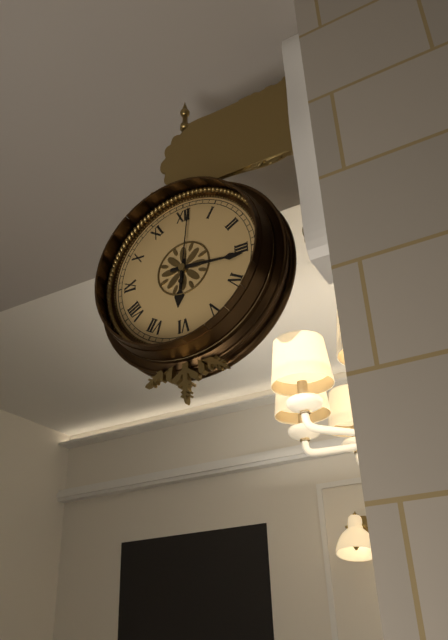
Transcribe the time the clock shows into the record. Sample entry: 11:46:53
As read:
6:16:01
